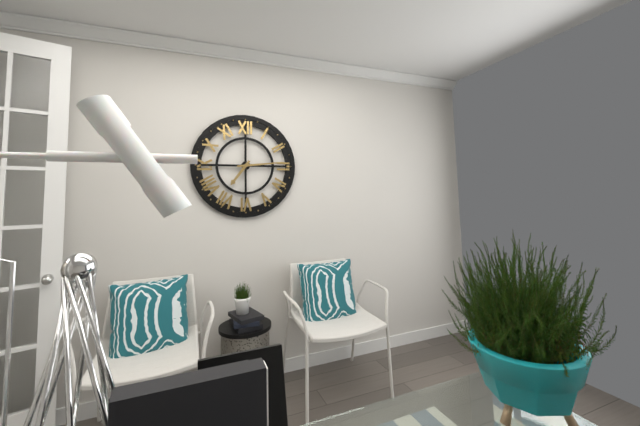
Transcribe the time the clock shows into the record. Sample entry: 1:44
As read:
7:14
